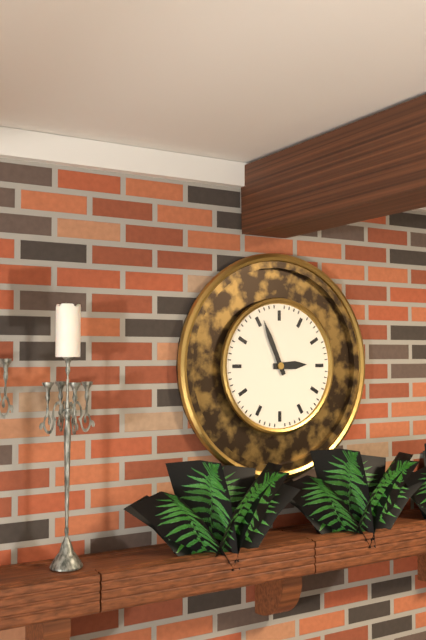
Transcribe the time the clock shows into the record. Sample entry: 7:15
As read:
2:56
